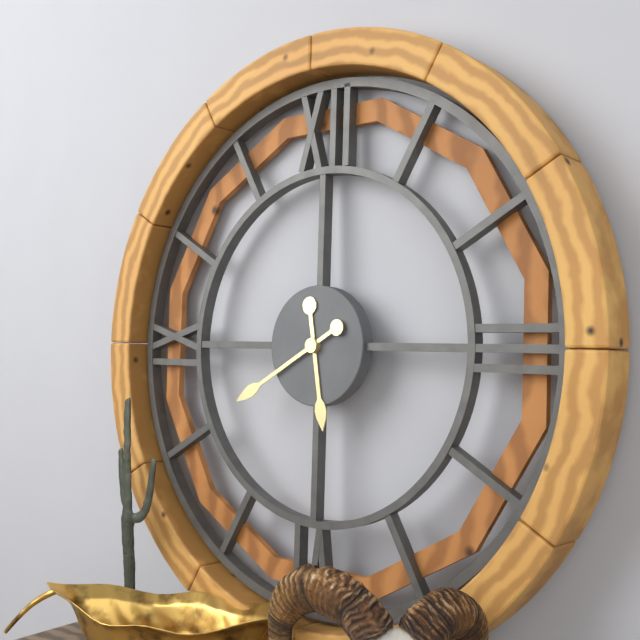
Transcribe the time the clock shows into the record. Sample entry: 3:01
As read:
5:40
